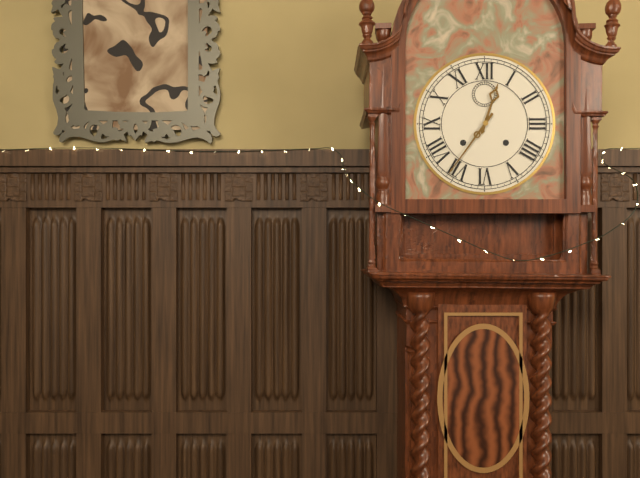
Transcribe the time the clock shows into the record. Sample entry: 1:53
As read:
12:36
